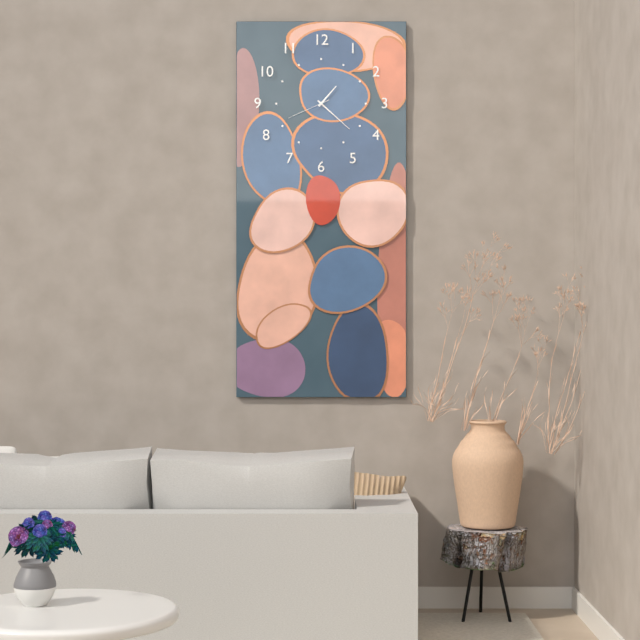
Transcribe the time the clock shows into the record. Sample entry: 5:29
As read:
1:22
